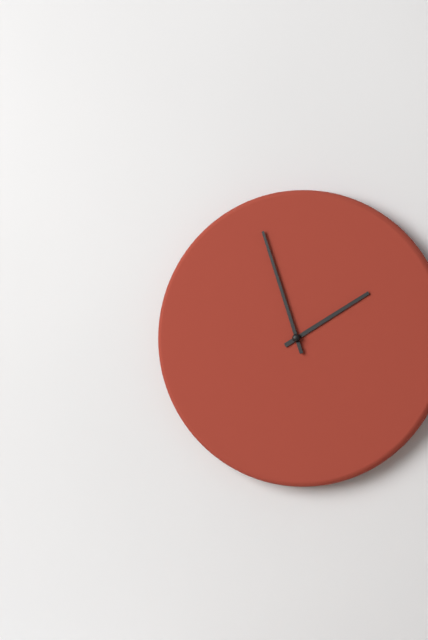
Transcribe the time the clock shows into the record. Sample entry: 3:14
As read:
1:57
